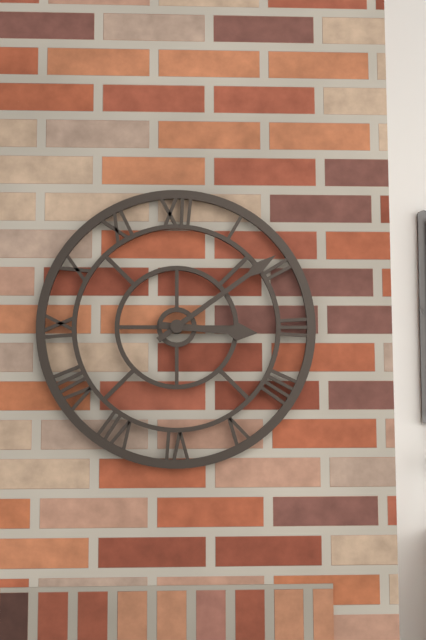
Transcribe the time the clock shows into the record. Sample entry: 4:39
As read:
3:09
